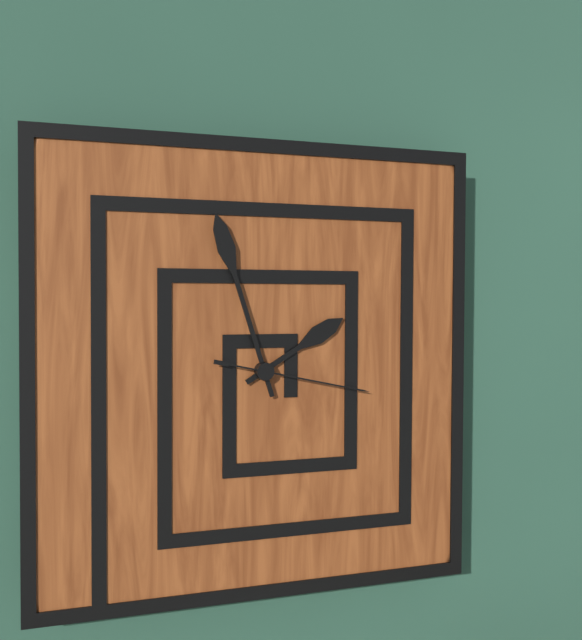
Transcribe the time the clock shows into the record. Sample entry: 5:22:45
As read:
1:57:17
